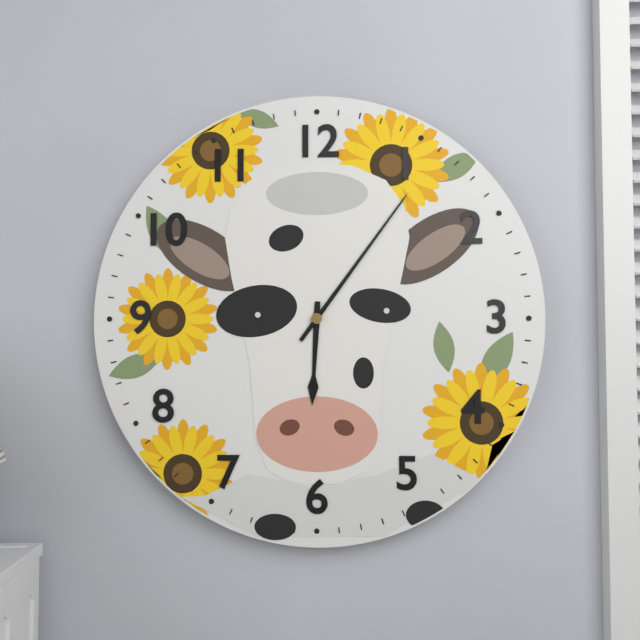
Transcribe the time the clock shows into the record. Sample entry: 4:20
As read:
6:06
